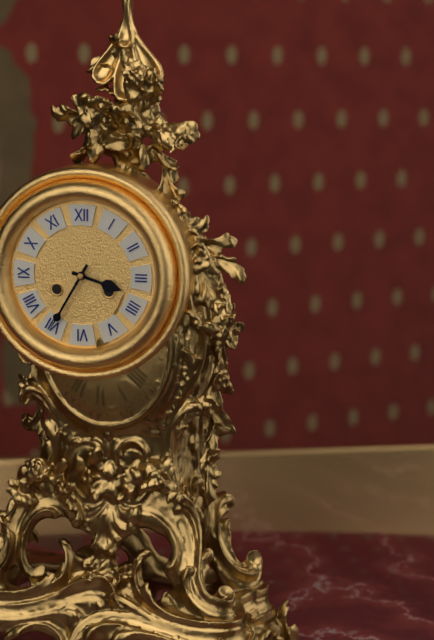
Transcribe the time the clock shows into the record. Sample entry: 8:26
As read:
3:35
